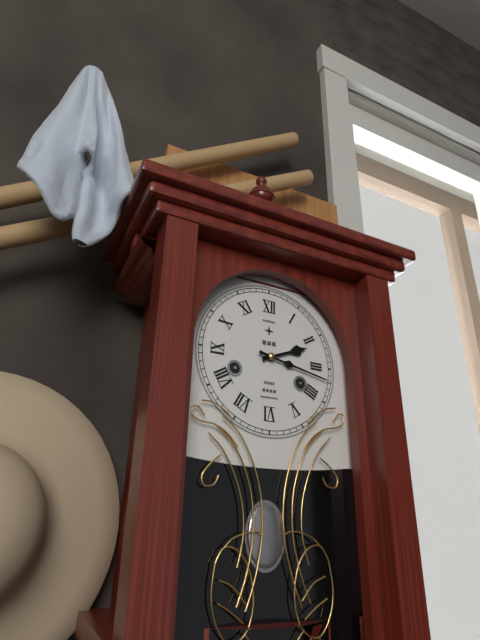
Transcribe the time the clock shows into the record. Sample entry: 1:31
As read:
2:17
